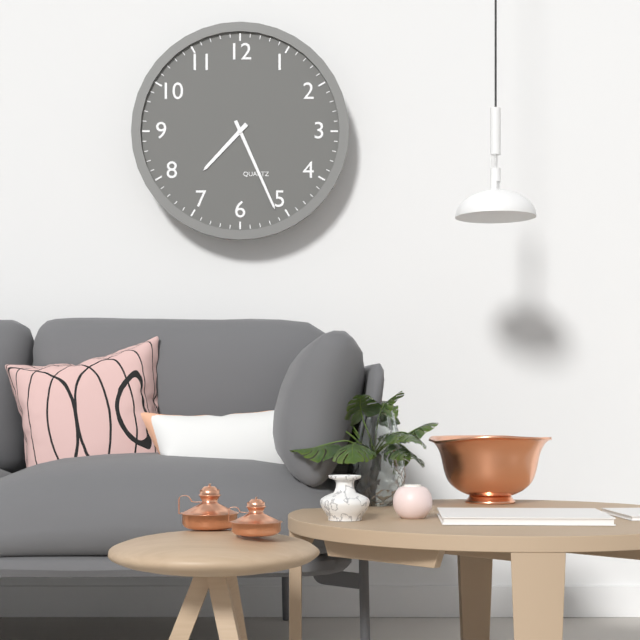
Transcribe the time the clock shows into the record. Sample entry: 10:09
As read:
7:26
